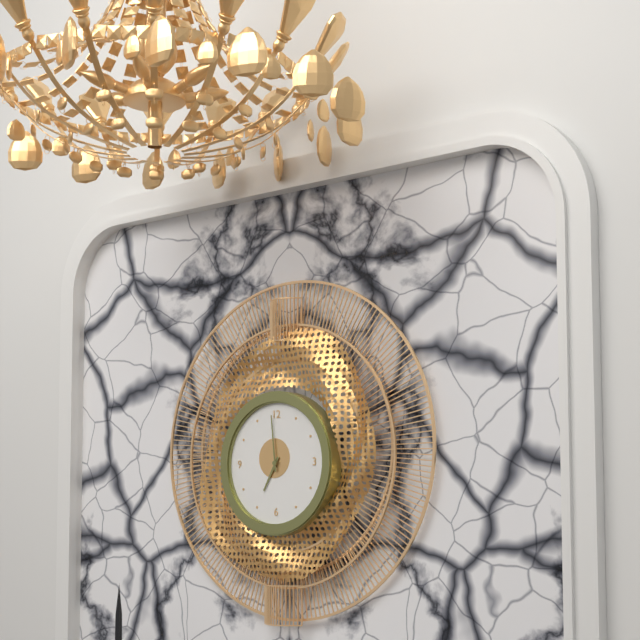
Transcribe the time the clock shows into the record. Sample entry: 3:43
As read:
6:59
